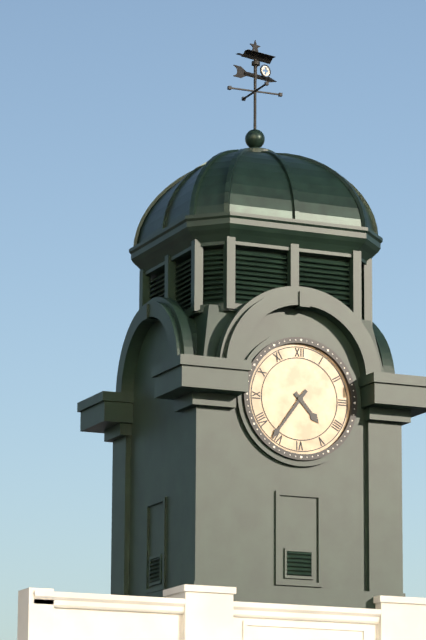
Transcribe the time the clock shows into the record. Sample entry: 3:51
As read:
4:36
